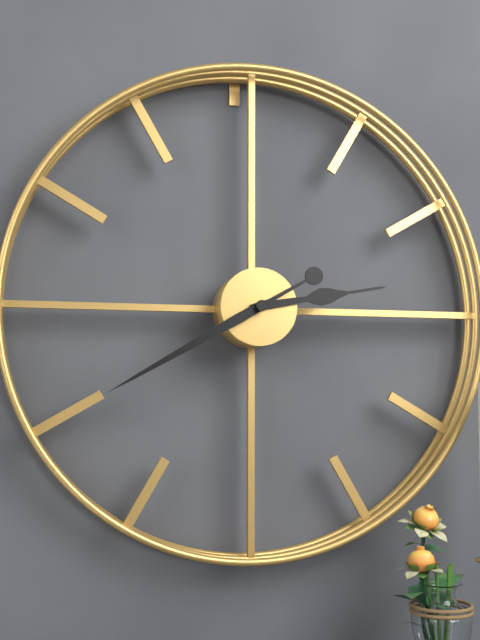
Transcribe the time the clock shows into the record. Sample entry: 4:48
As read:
2:40
